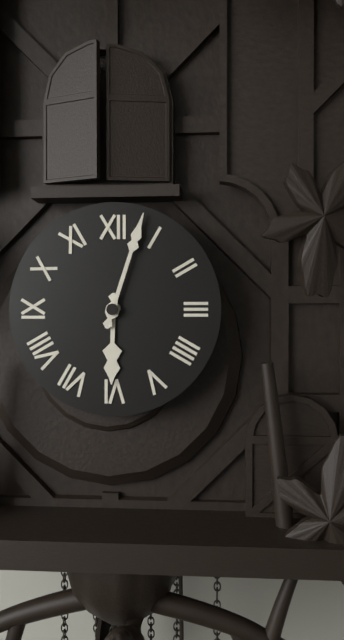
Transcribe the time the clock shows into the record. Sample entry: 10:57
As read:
6:03
